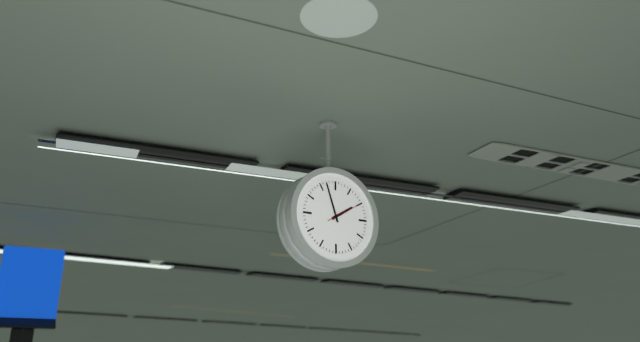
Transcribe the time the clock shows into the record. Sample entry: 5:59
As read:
1:57
